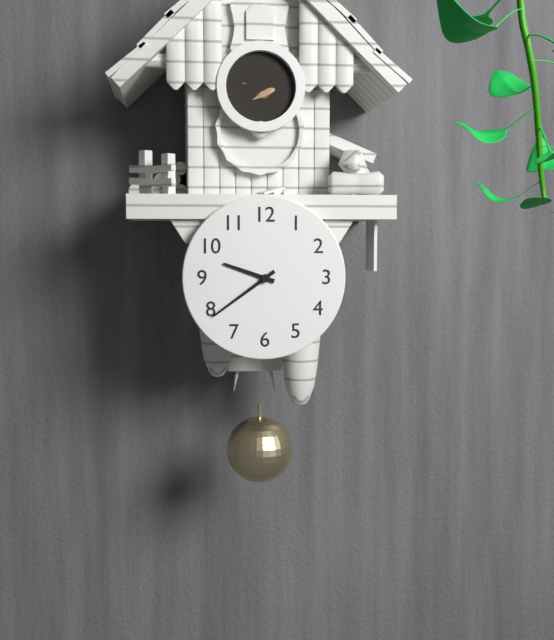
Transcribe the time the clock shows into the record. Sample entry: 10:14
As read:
9:39
